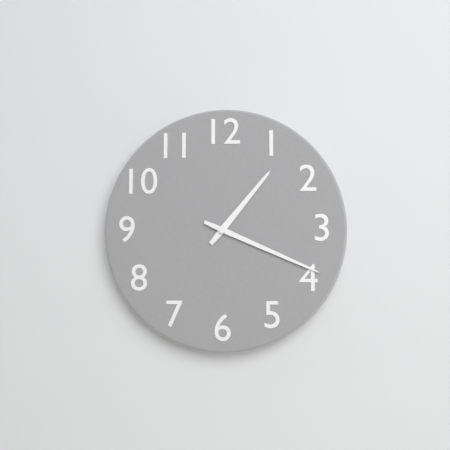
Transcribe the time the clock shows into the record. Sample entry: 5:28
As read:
1:19
